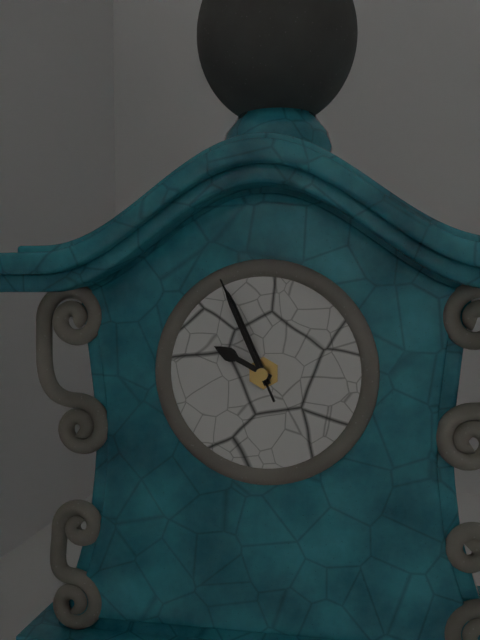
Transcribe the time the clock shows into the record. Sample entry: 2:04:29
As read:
9:56:56
